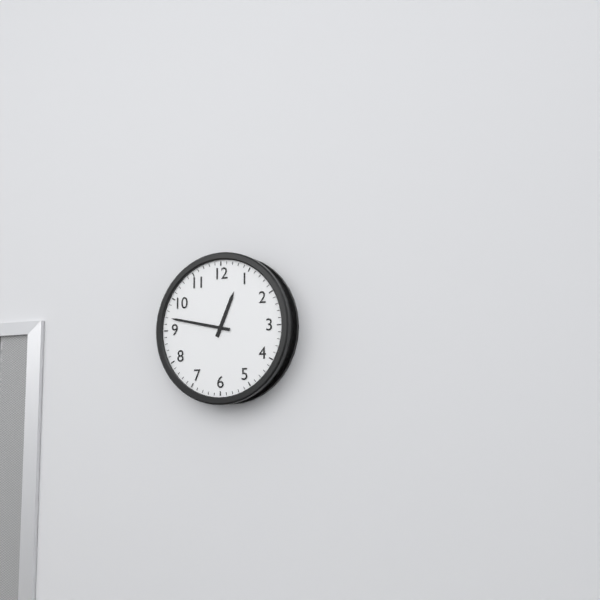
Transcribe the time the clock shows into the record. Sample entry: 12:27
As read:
12:47
